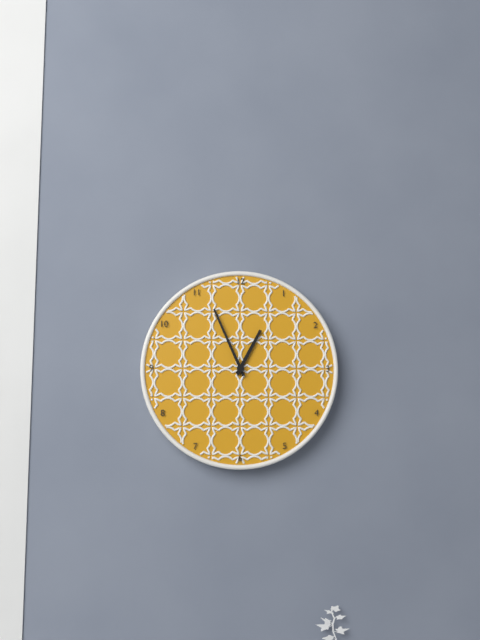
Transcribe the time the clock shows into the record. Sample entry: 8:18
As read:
12:56
